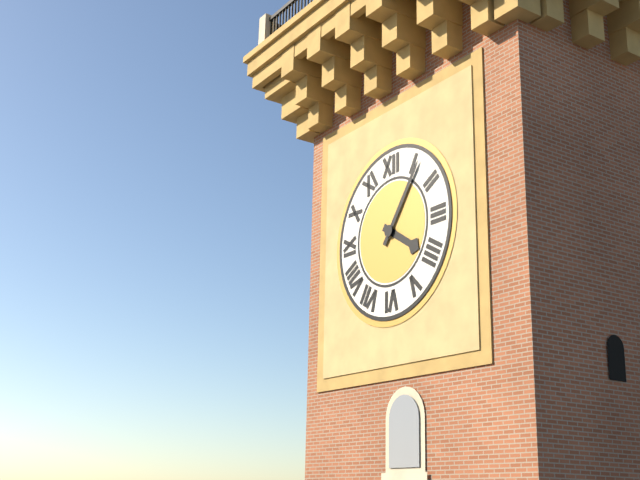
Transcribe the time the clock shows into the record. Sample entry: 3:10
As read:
4:06
